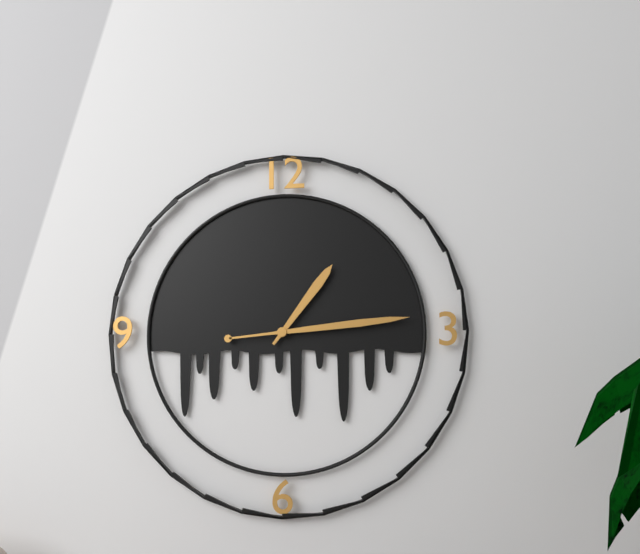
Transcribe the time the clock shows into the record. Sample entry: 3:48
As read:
1:14
